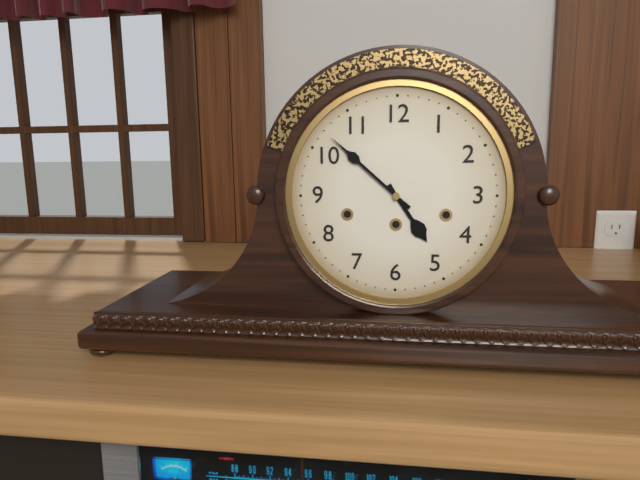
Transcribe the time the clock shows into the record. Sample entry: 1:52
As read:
4:52
